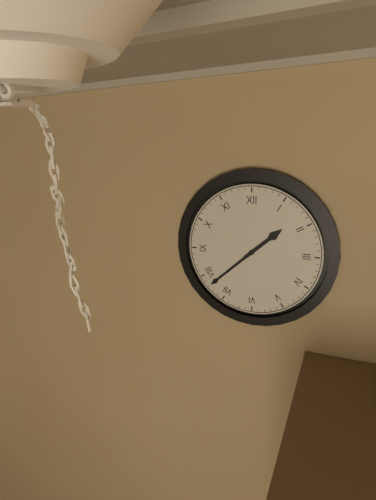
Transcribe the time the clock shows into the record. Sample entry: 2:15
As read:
1:38
